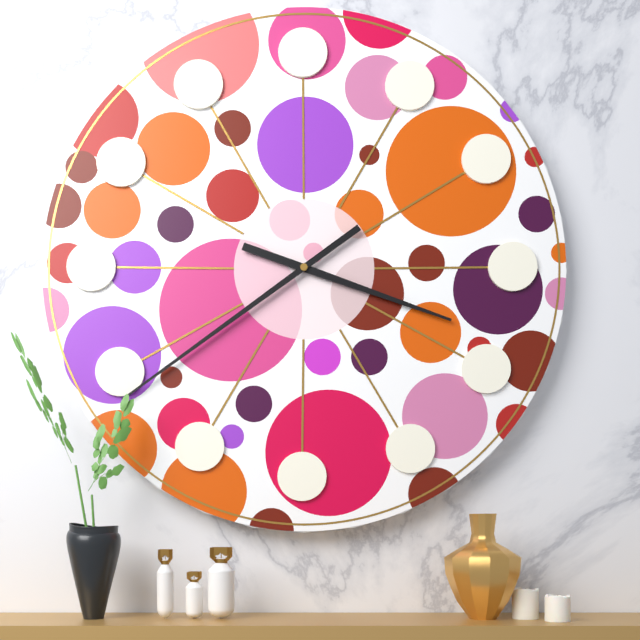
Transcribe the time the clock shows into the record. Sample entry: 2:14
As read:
3:39
